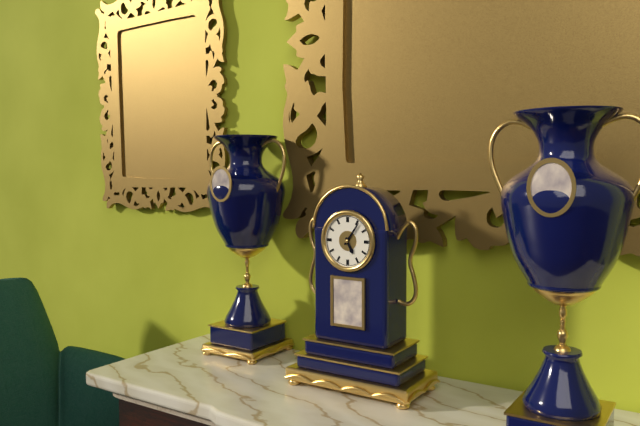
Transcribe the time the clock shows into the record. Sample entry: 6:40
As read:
5:06
